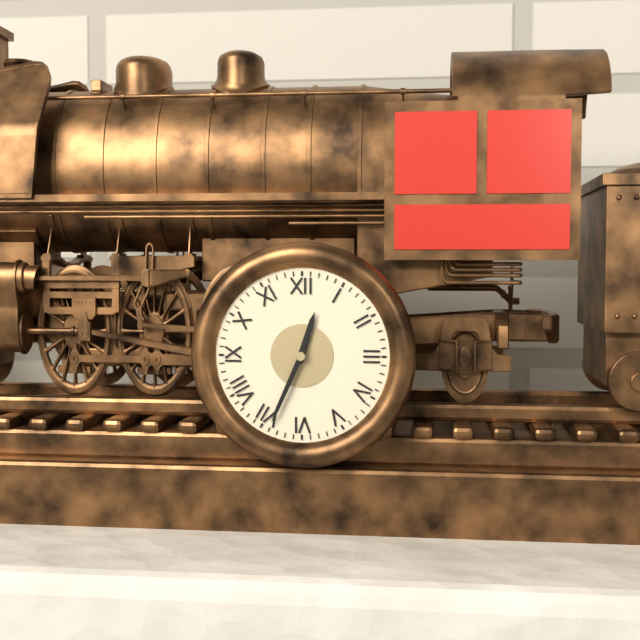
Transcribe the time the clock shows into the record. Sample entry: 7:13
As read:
12:34
